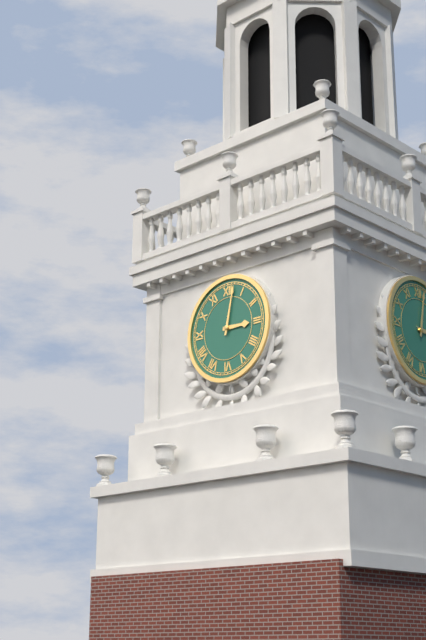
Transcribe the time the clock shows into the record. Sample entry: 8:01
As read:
3:02
